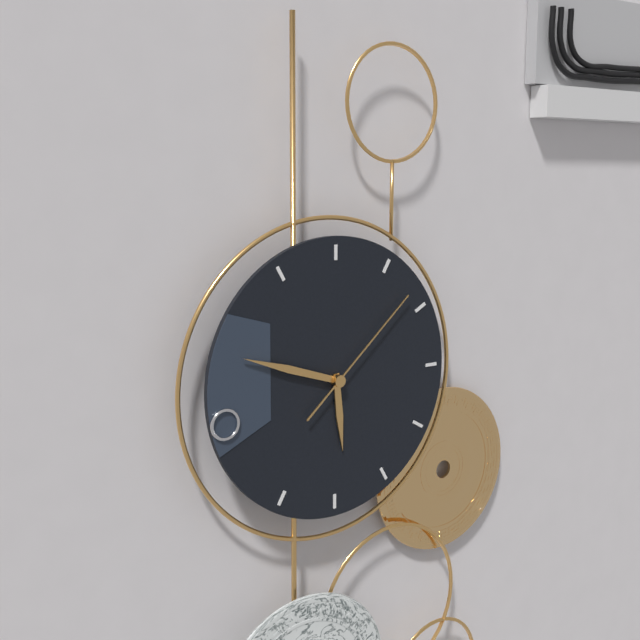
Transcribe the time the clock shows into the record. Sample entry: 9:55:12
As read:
5:48:08
